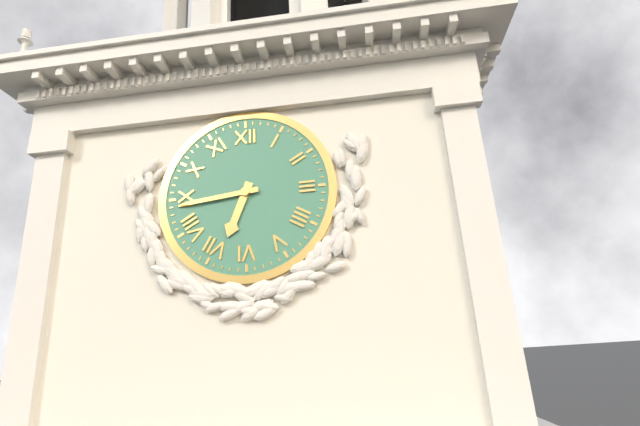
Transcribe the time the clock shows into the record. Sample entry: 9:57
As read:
6:44
